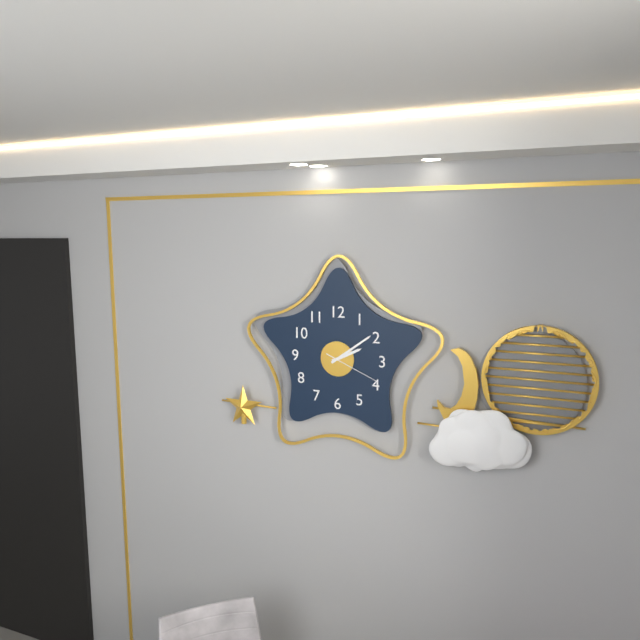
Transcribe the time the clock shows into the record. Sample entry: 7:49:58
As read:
2:09:19
